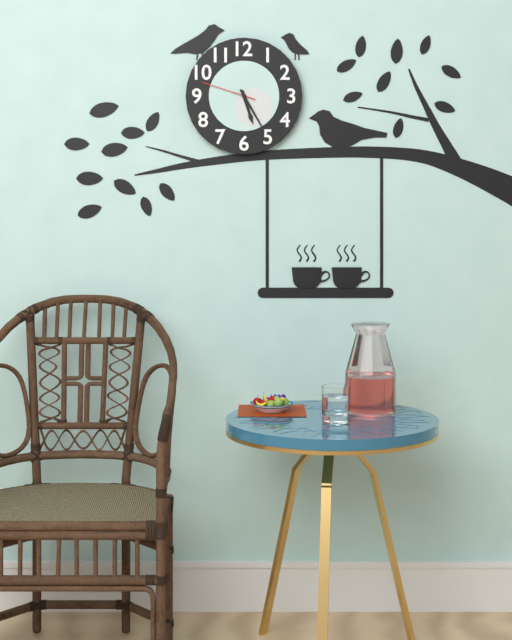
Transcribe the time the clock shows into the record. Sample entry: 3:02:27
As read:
5:25:48
